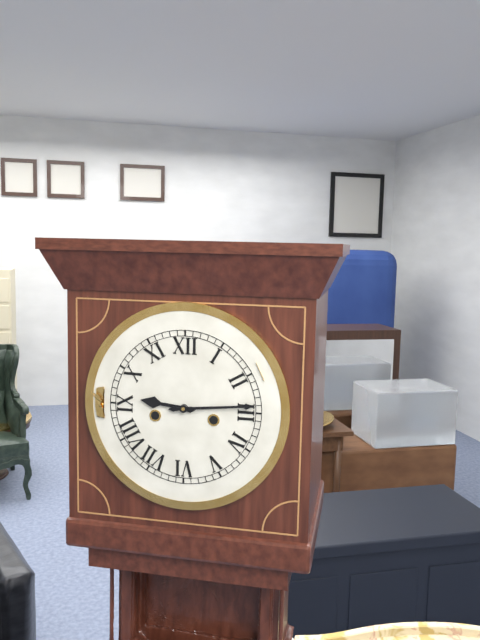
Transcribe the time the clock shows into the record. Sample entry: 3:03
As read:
9:14
